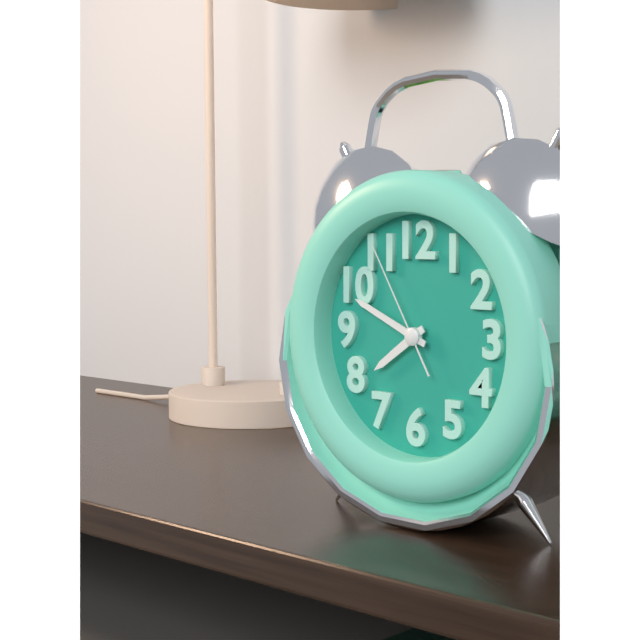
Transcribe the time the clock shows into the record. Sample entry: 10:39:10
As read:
7:49:55
